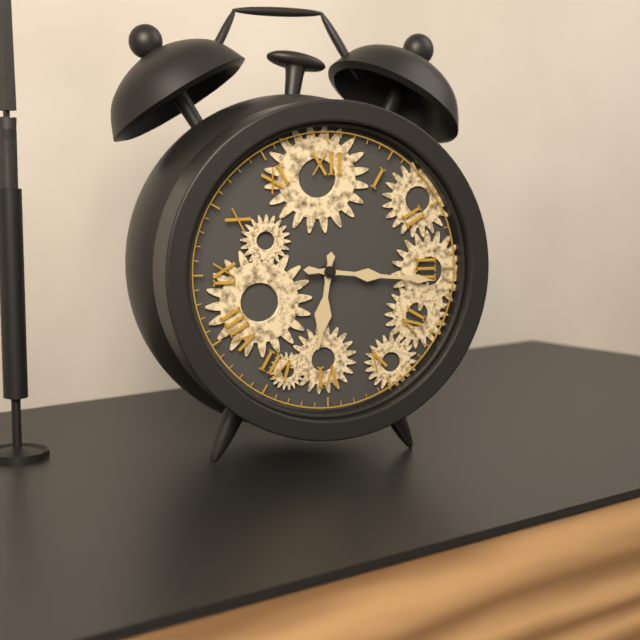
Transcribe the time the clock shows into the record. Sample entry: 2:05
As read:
6:16
